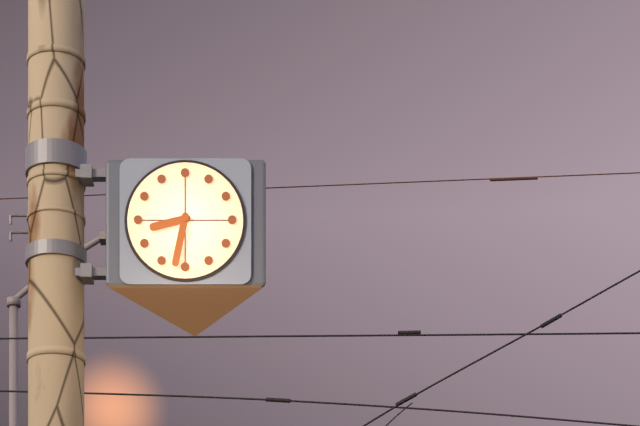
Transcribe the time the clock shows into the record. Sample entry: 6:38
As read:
8:32
